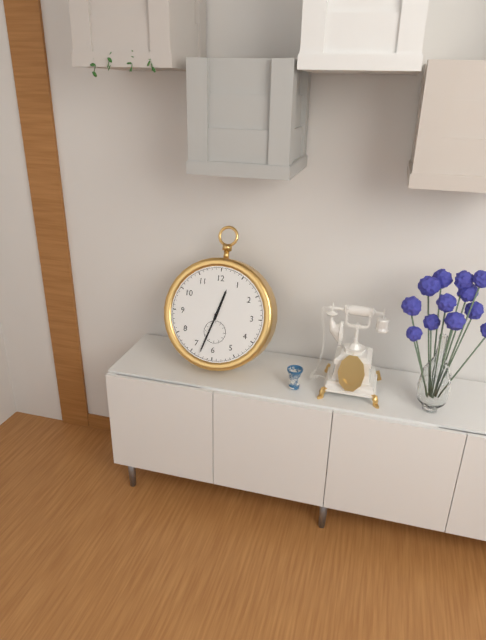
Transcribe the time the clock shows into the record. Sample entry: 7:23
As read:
12:33
